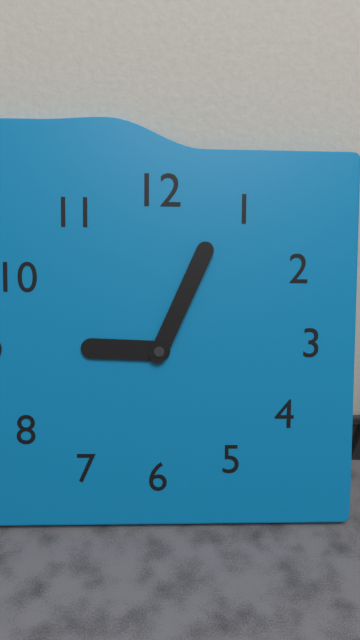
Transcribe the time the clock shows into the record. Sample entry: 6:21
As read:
9:04
